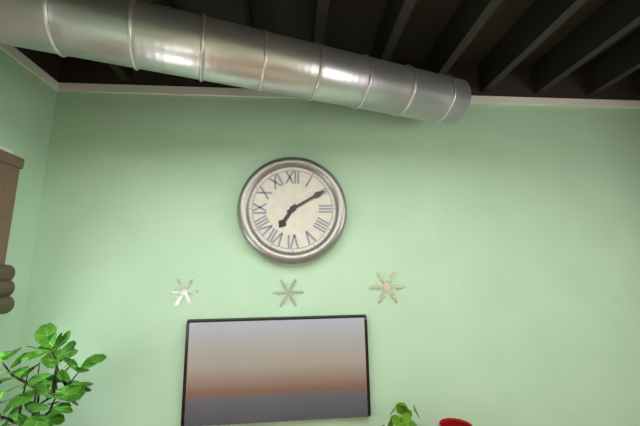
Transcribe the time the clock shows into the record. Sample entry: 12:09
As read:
7:10
